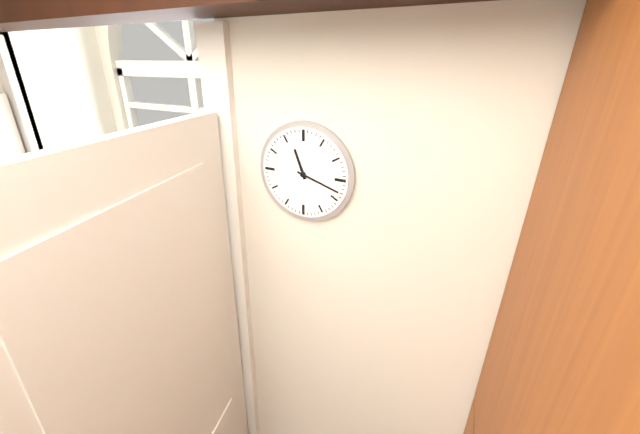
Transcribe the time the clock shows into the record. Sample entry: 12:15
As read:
11:18
